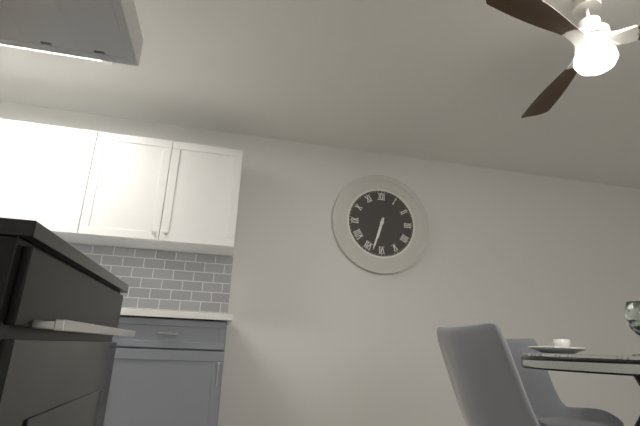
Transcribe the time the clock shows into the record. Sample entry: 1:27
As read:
6:33
